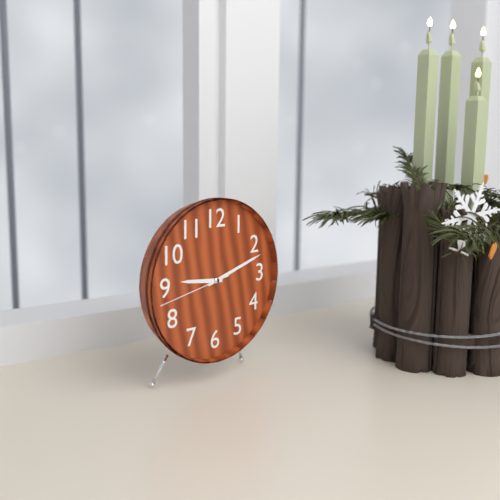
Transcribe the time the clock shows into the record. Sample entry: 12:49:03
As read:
9:12:43
